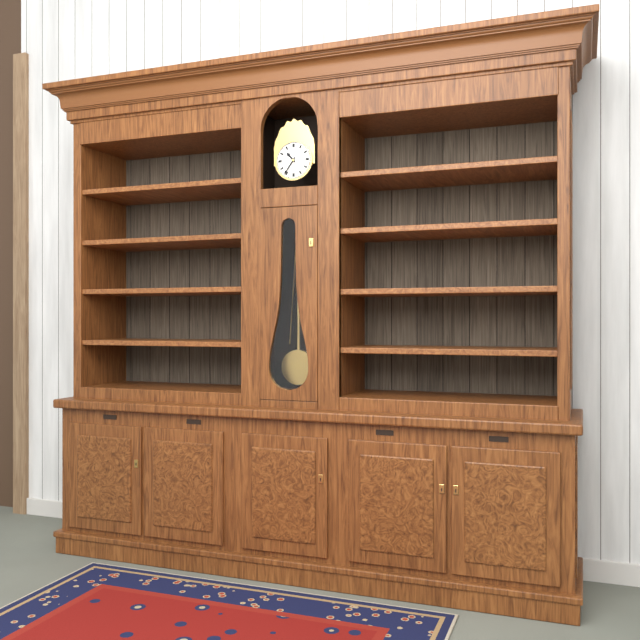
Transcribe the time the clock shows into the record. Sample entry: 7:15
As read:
10:36
